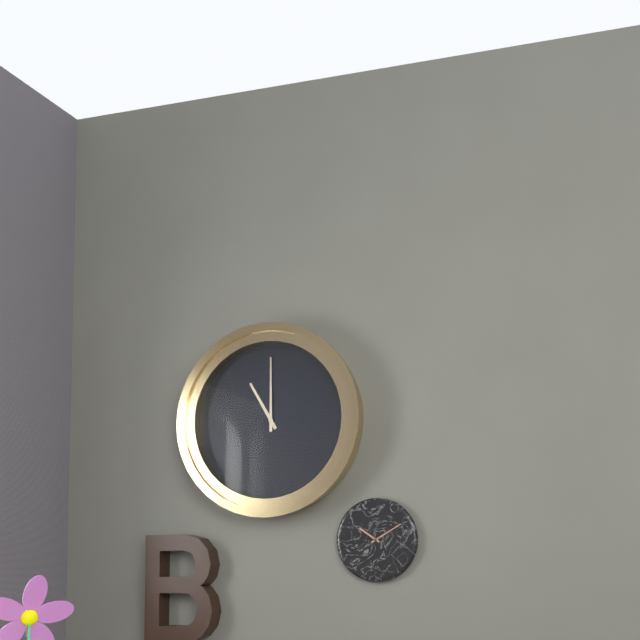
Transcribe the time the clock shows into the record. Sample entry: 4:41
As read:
11:00
